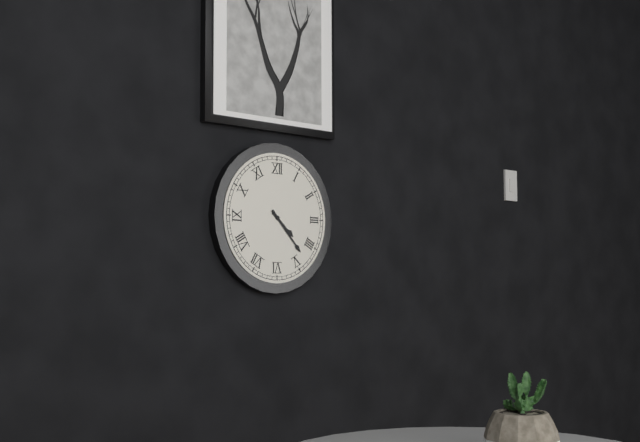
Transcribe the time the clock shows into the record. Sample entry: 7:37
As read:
4:23
